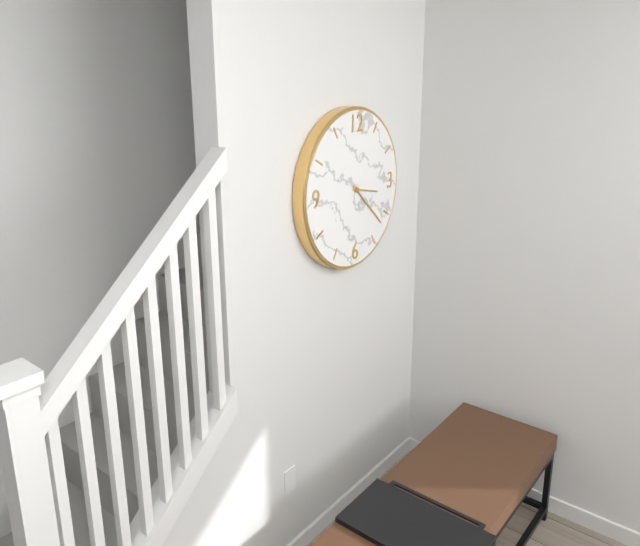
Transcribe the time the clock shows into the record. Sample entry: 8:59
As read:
3:22
